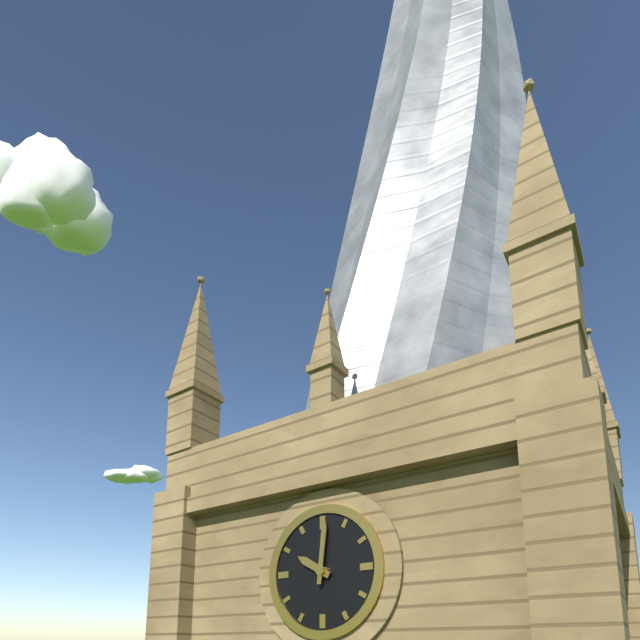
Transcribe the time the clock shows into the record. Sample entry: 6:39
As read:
10:01
